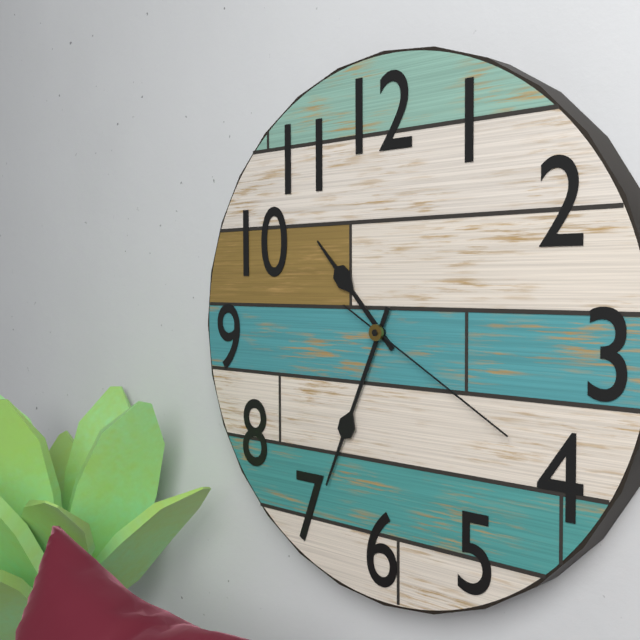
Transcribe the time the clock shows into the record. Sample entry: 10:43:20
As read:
10:34:20
